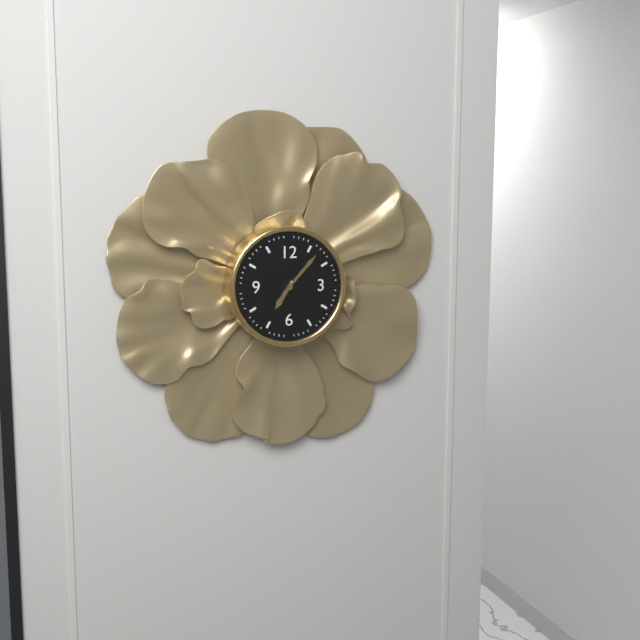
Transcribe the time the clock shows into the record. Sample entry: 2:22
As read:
7:07
